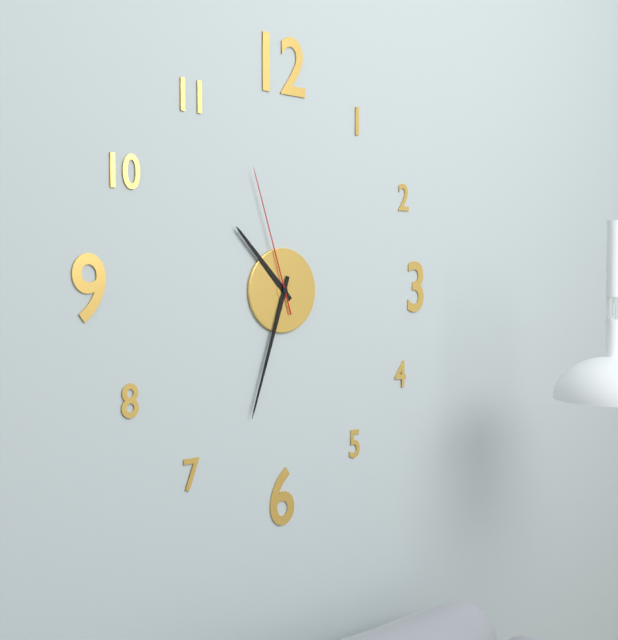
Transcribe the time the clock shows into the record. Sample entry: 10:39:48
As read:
10:33:57
